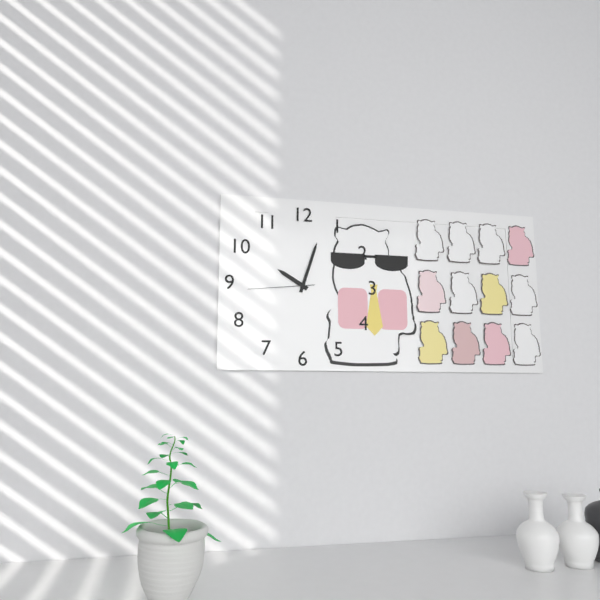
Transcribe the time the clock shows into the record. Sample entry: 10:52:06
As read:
10:03:44
